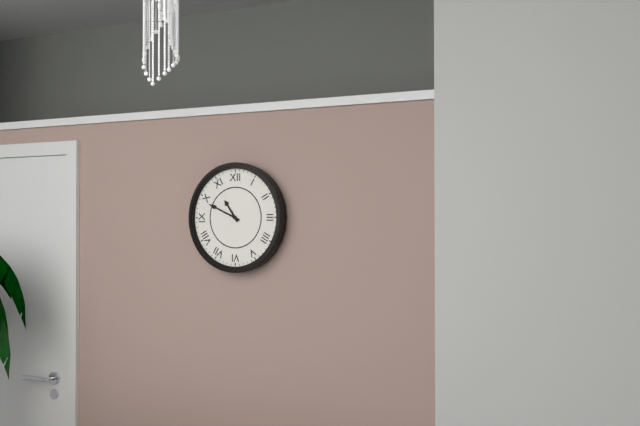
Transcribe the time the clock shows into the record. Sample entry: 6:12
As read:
10:49
